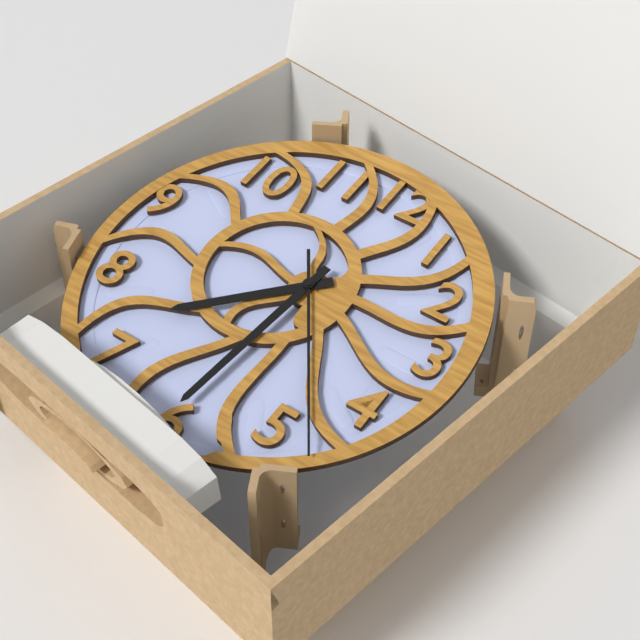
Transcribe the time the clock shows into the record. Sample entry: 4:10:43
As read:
7:31:24
